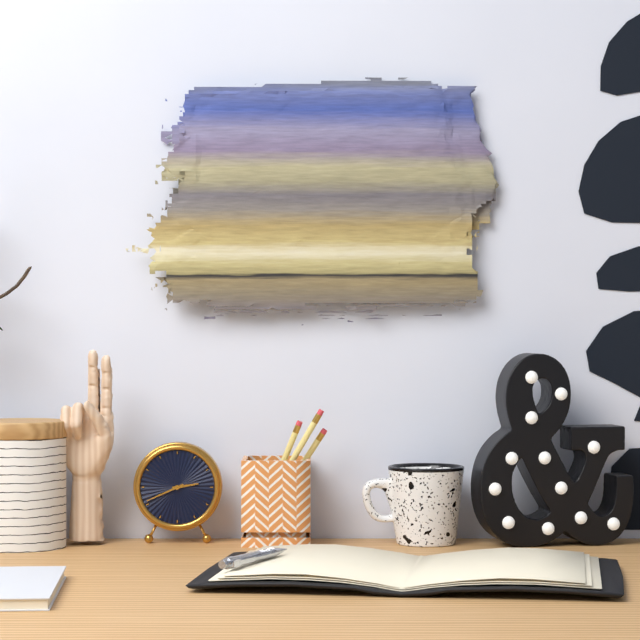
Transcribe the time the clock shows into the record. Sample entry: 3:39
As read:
2:41
